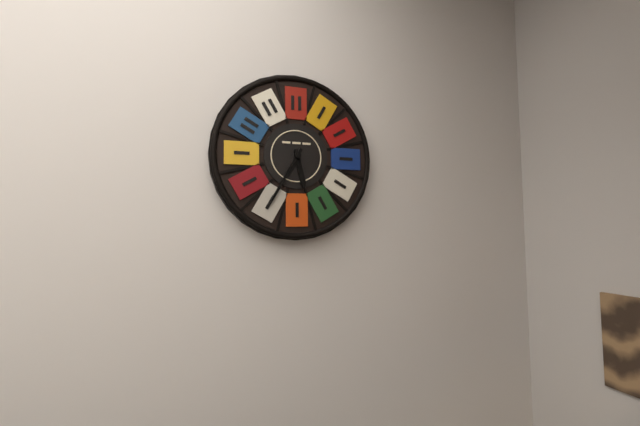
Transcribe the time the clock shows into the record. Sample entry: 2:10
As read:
5:35
